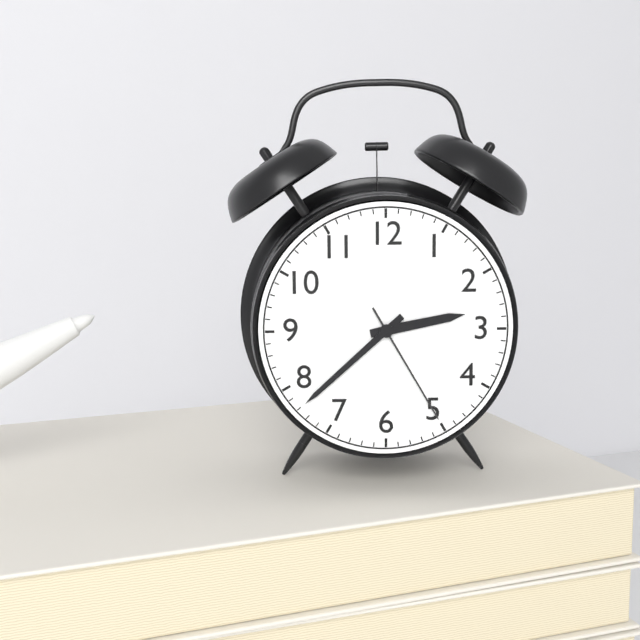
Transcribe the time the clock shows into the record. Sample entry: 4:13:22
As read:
2:38:25
